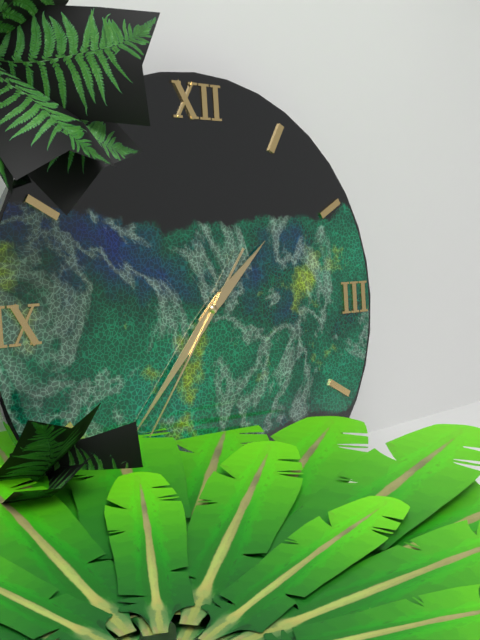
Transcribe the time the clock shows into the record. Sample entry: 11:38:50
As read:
1:37:36
